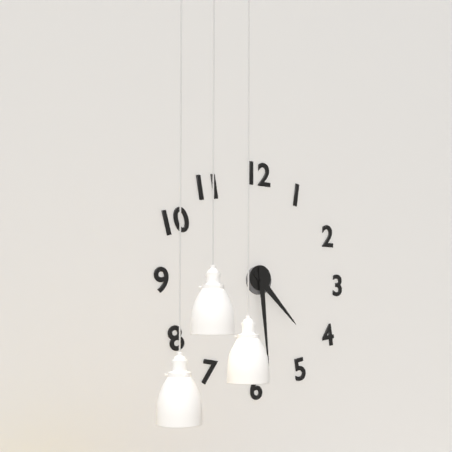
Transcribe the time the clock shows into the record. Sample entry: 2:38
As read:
4:29
